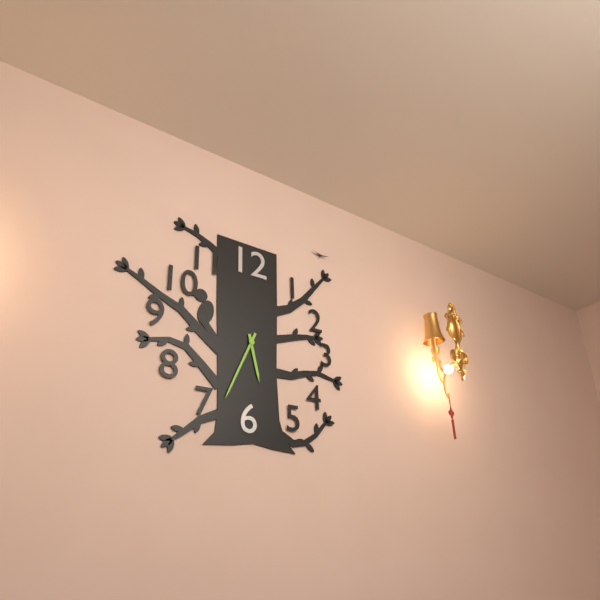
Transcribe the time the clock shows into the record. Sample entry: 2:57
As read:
5:34
